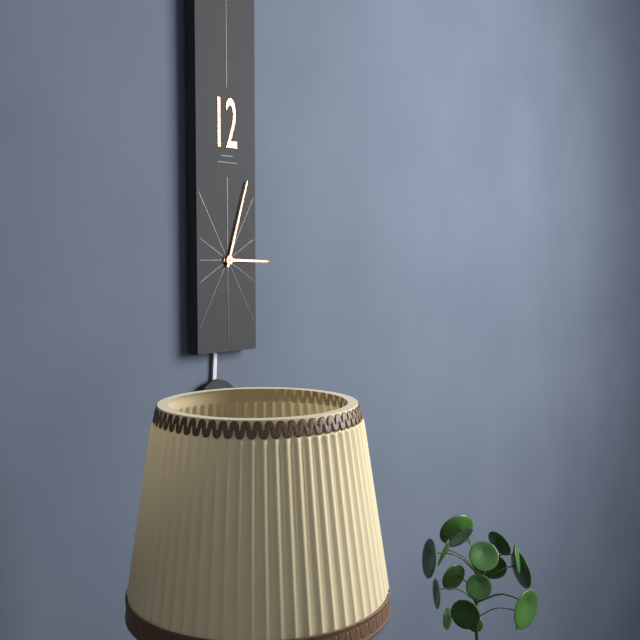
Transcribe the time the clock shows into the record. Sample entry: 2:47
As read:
3:03
